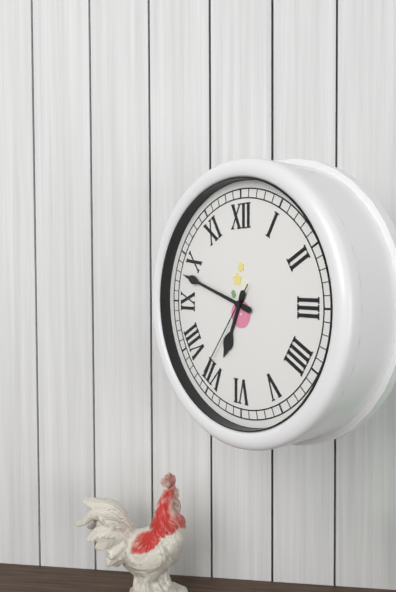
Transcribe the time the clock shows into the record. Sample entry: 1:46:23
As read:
6:48:36
